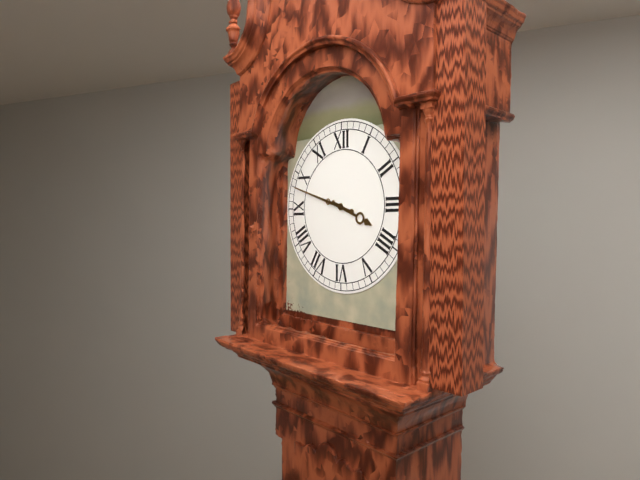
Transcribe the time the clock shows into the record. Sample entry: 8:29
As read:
3:48
